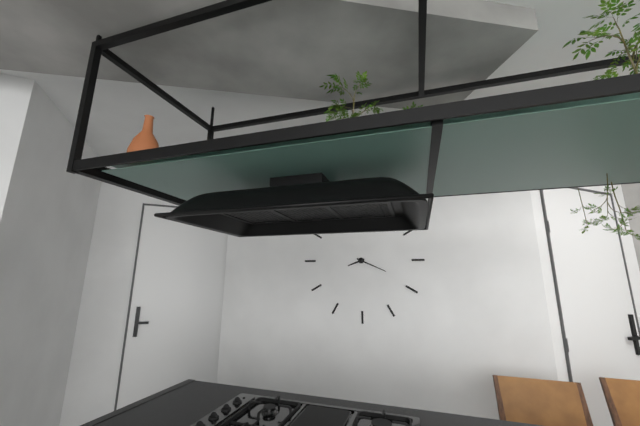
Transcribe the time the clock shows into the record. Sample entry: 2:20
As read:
8:19
